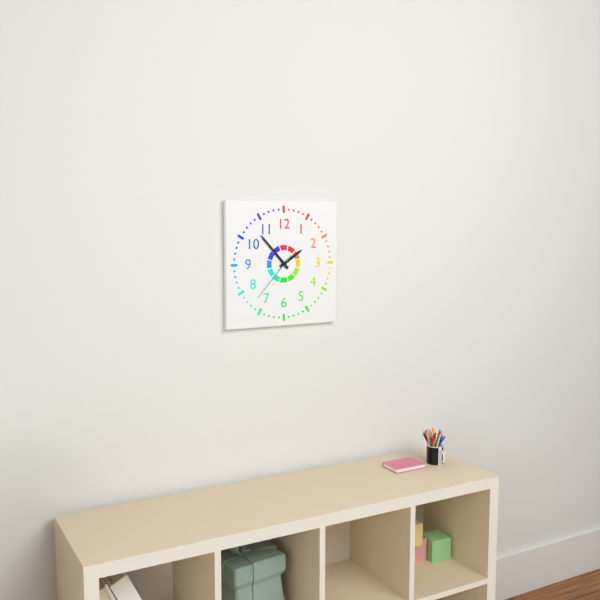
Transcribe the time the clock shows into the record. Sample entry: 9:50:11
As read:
1:53:37
